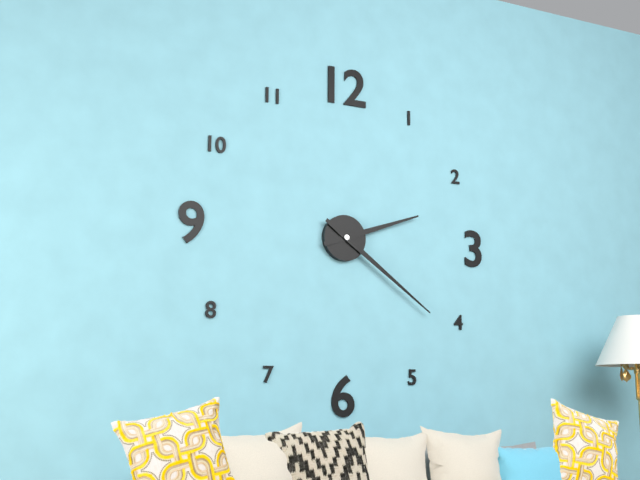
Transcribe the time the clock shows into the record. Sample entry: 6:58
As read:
2:21
